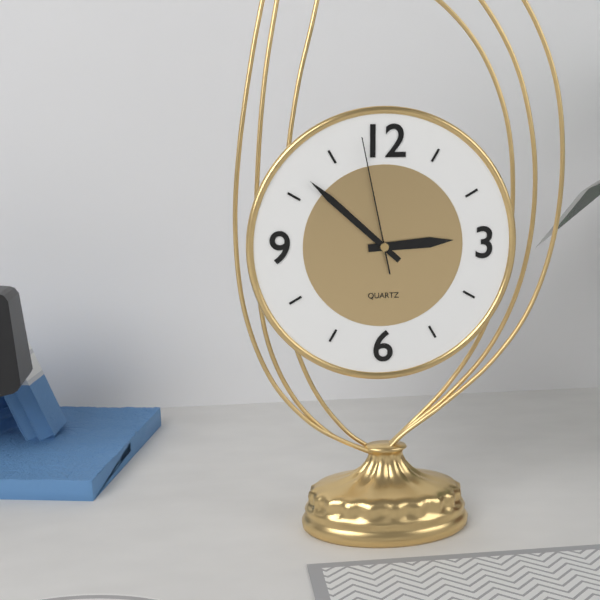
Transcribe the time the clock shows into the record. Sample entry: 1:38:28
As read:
2:52:58
